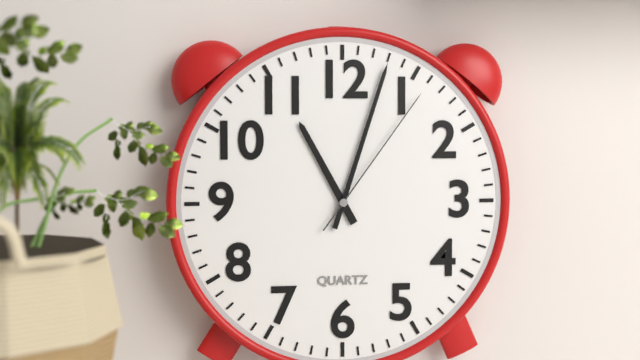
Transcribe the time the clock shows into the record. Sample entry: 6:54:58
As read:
11:03:06
